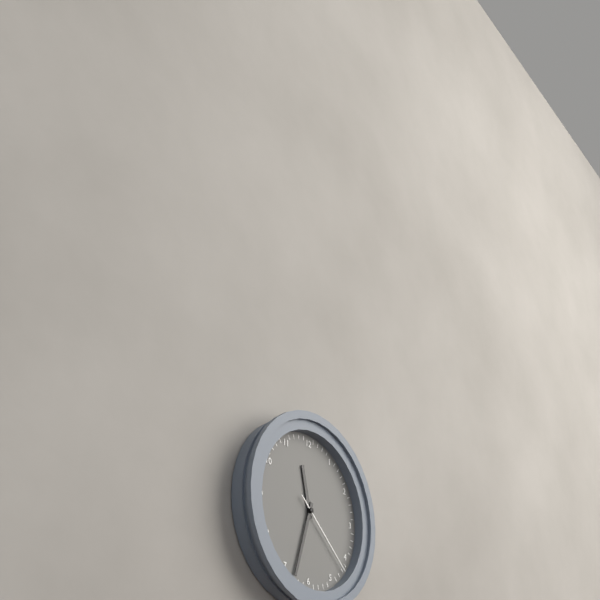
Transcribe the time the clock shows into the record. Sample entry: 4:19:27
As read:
11:33:22
